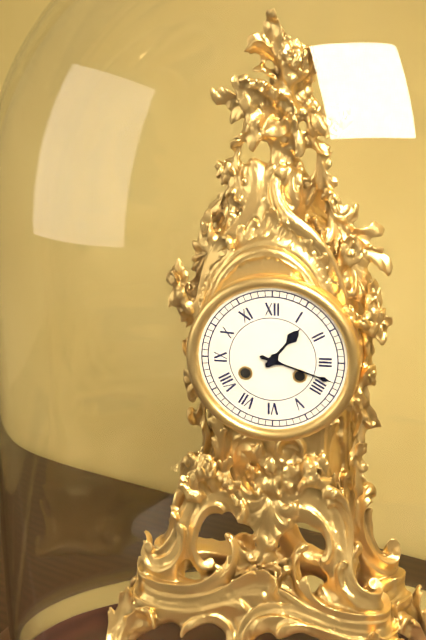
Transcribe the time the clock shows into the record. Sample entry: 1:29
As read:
1:18
